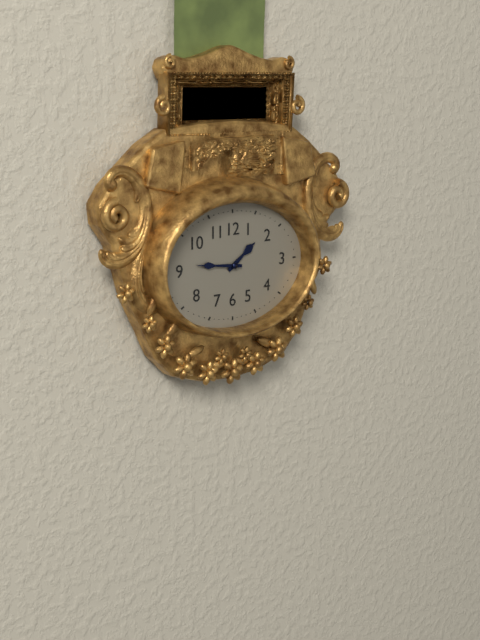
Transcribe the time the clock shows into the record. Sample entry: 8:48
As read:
1:46
